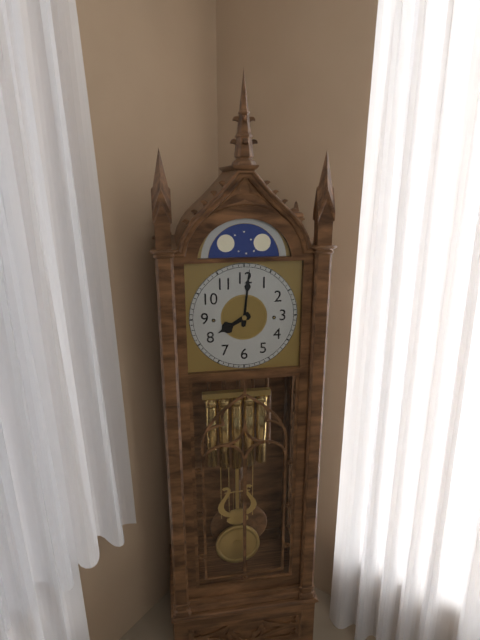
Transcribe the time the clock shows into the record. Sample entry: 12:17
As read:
8:01
